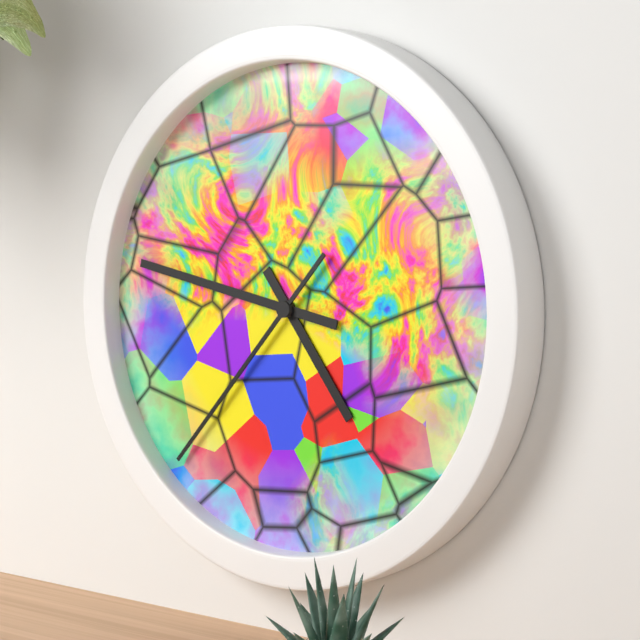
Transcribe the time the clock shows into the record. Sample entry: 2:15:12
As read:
4:47:37
